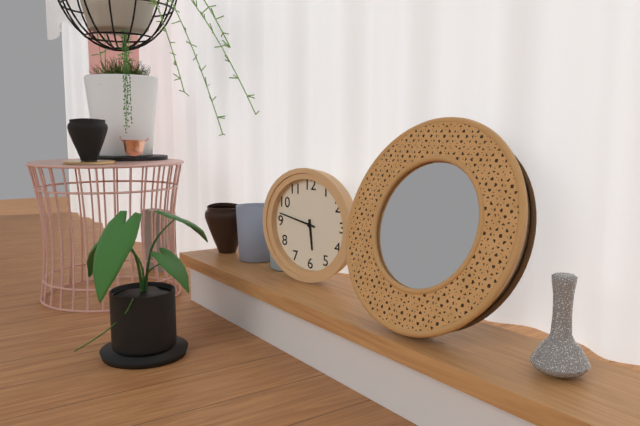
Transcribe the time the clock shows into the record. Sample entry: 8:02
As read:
5:47
